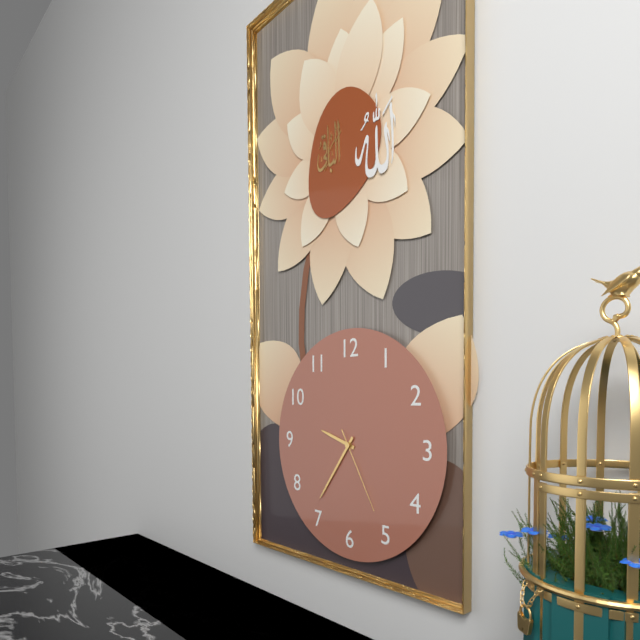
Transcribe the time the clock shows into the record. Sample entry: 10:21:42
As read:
9:36:25
